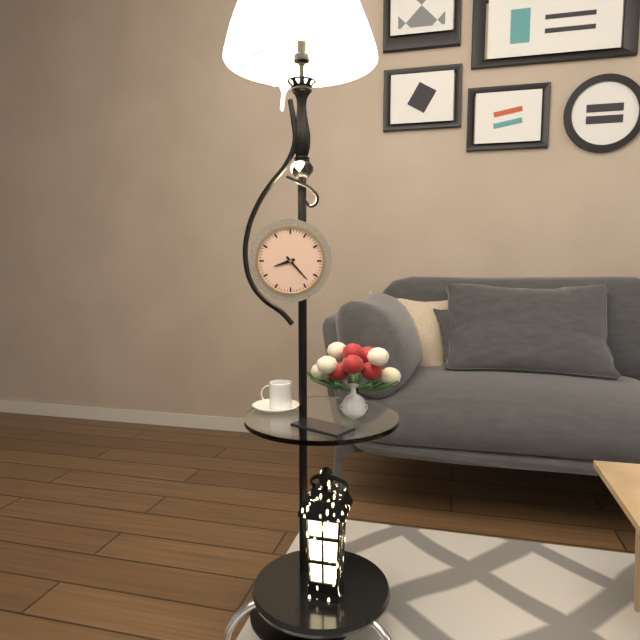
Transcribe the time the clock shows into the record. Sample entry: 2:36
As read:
8:23
